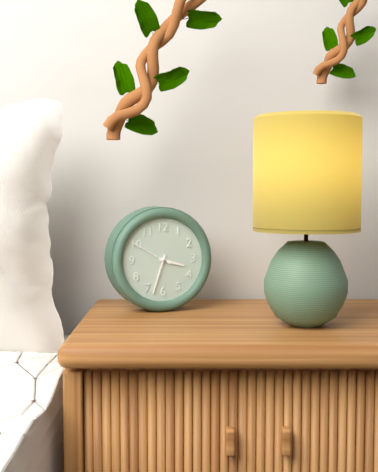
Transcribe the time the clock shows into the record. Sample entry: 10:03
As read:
3:33
